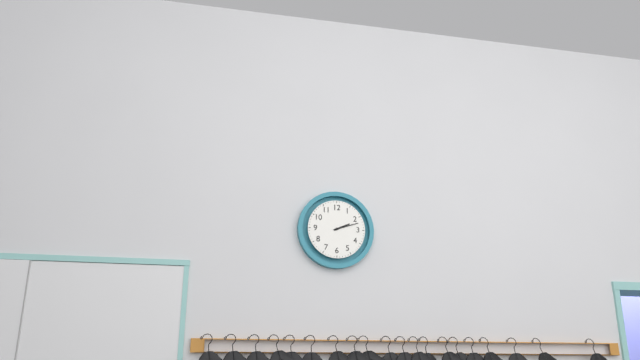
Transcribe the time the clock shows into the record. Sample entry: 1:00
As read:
2:12
